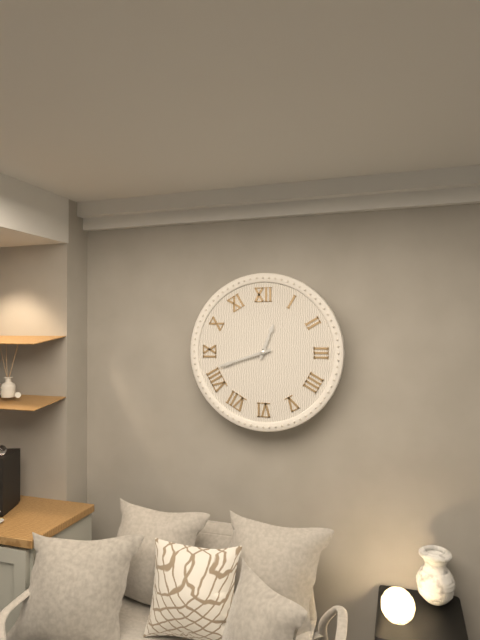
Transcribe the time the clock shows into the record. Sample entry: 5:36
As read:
12:42
